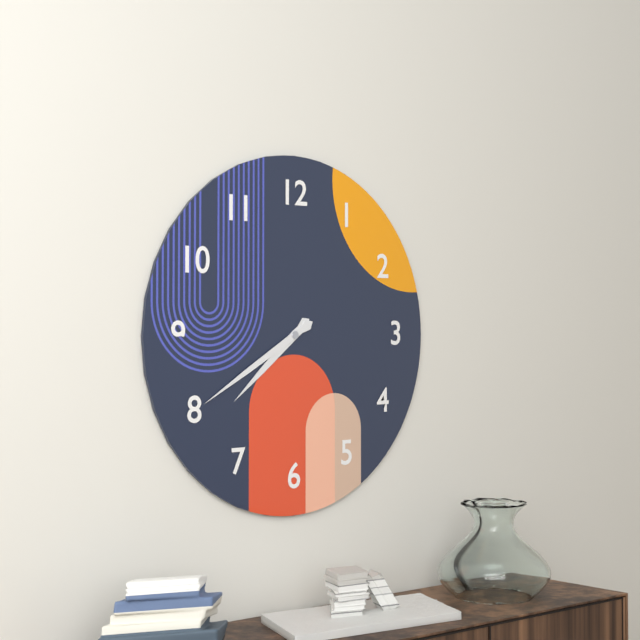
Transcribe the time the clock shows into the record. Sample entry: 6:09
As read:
7:40
